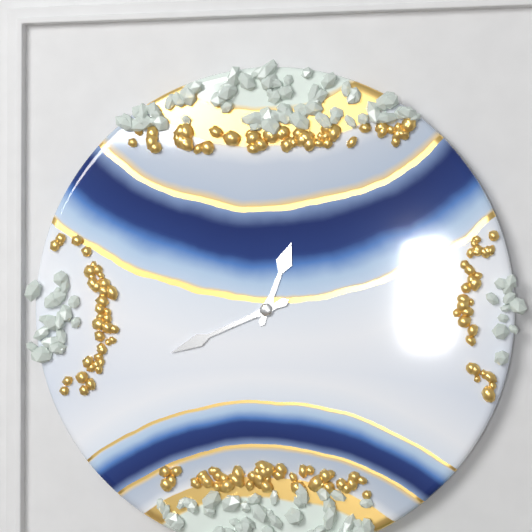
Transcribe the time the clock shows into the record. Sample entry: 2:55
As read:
12:41
